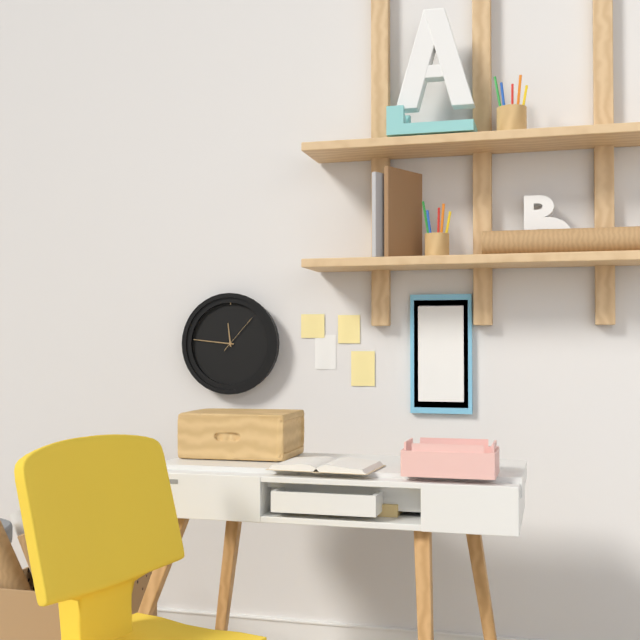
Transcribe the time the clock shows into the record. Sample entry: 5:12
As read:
11:46
